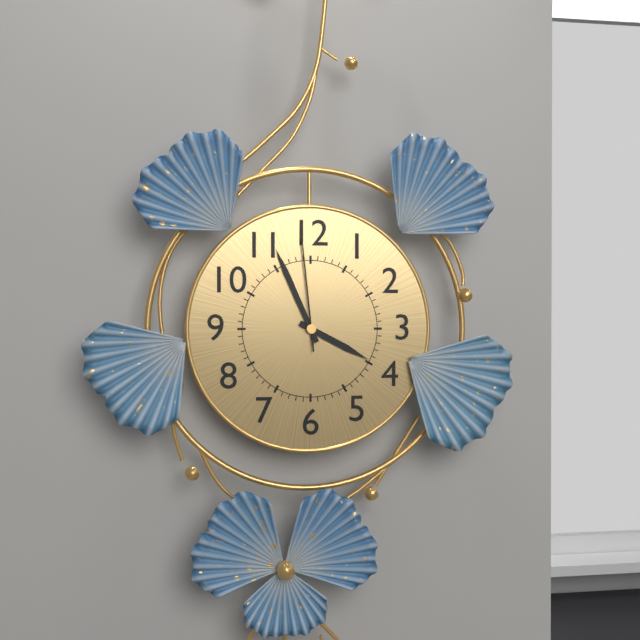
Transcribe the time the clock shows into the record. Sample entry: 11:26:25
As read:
3:56:59
